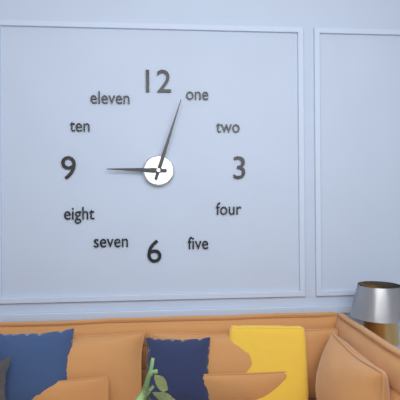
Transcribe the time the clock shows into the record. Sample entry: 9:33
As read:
9:03
